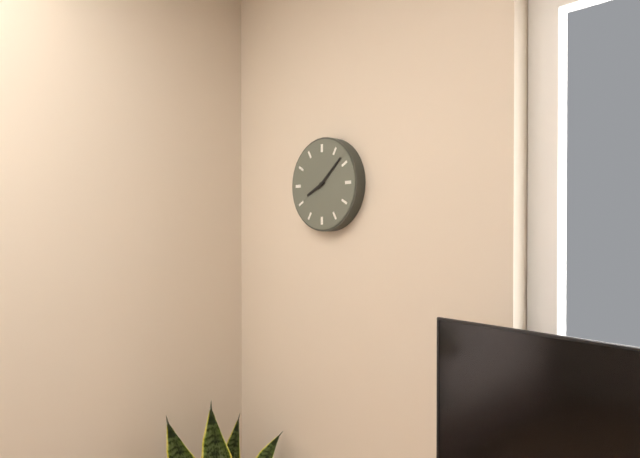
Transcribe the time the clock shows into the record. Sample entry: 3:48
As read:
8:08
